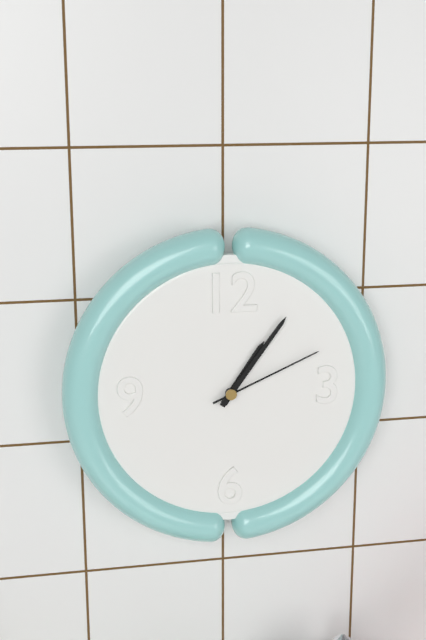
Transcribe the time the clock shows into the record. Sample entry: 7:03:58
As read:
1:06:11
